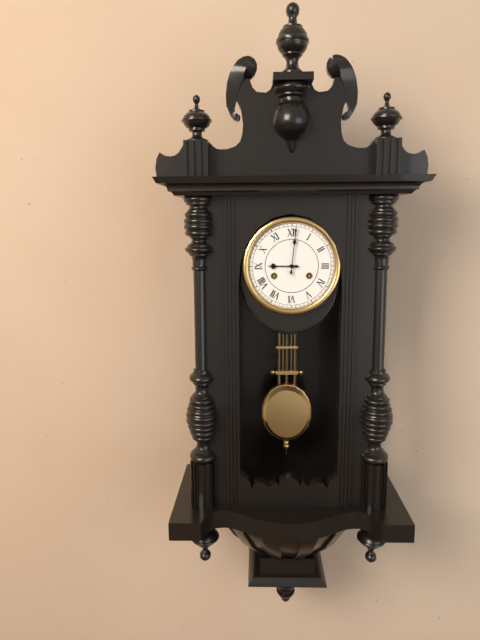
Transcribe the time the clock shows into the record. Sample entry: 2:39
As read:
9:01
